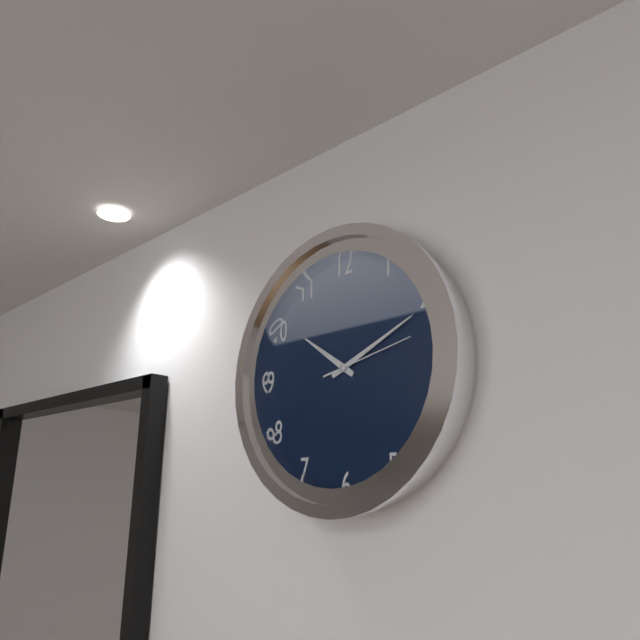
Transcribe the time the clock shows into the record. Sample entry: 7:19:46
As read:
10:11:13
